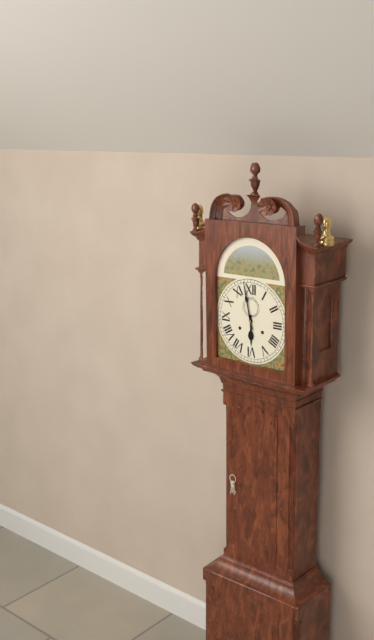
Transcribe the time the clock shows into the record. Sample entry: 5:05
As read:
5:58
